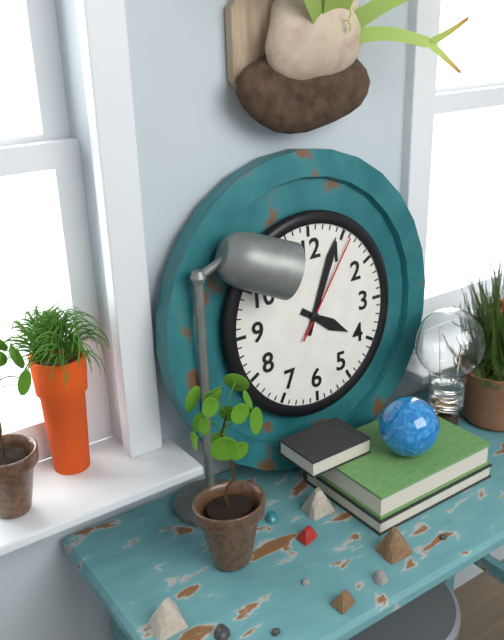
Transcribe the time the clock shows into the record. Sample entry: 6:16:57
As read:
4:04:06
